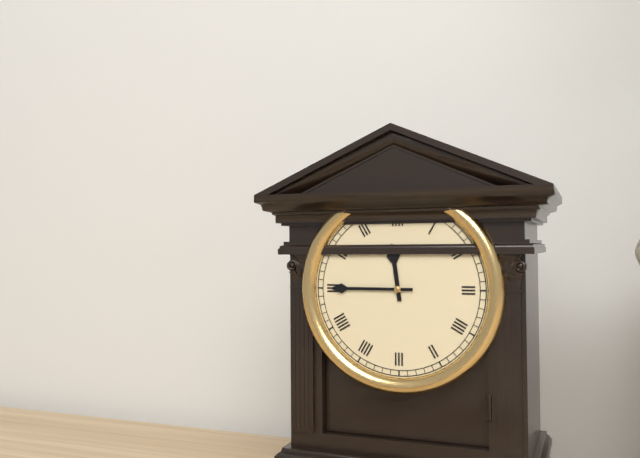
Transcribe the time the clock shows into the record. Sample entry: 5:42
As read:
11:45
